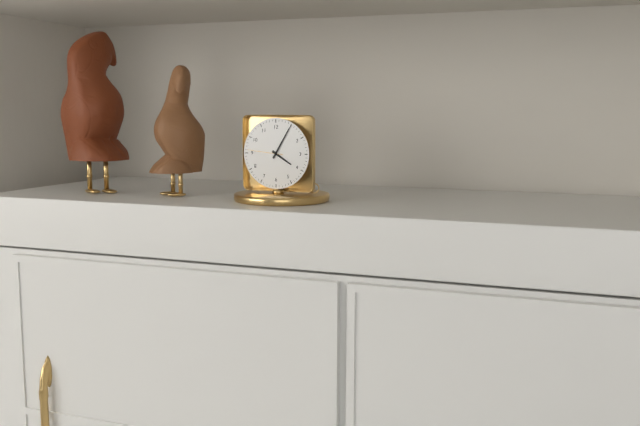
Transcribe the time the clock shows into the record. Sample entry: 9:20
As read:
4:05
